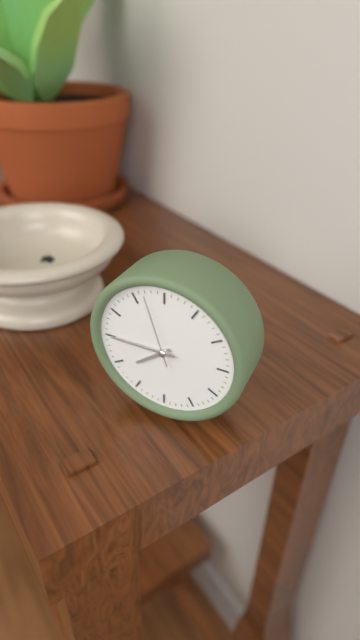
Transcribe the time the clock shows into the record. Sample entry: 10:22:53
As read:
7:45:57
